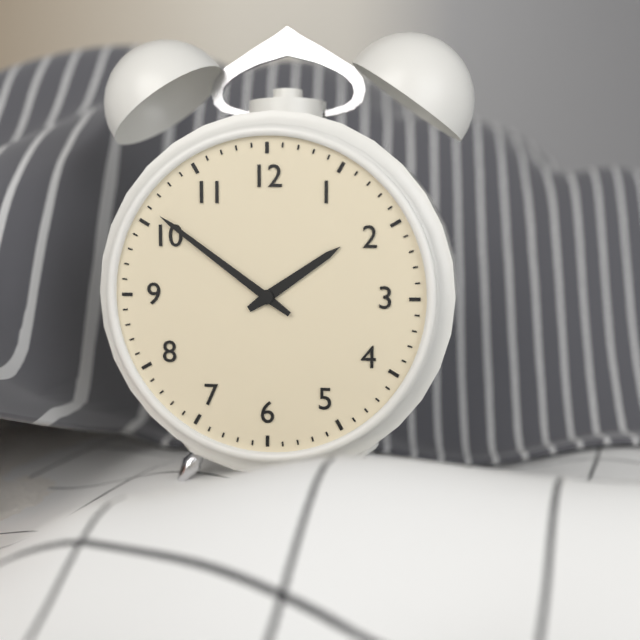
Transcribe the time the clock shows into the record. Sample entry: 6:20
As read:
1:51
